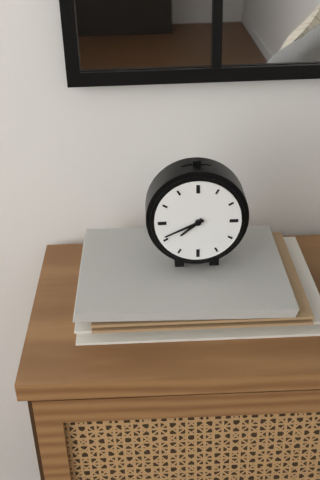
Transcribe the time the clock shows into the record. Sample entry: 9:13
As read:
7:41
